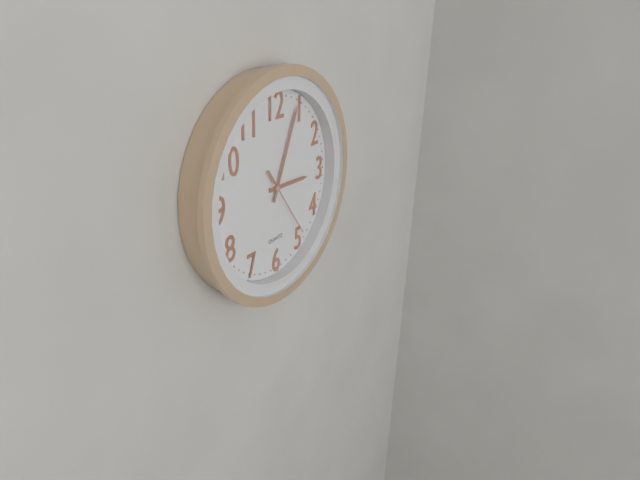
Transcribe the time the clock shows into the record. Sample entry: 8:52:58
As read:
3:04:24
